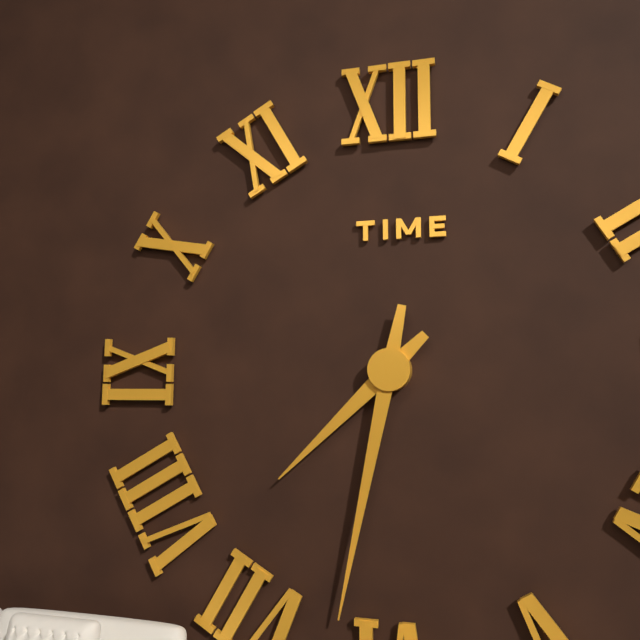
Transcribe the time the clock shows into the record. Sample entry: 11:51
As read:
7:32
